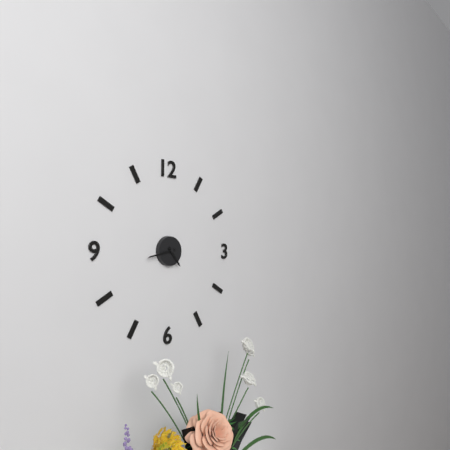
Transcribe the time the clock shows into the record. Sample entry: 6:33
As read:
4:43
